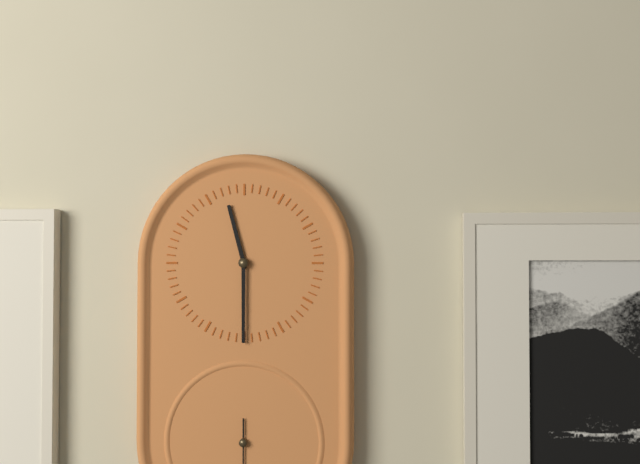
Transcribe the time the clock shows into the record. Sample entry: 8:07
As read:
11:30
